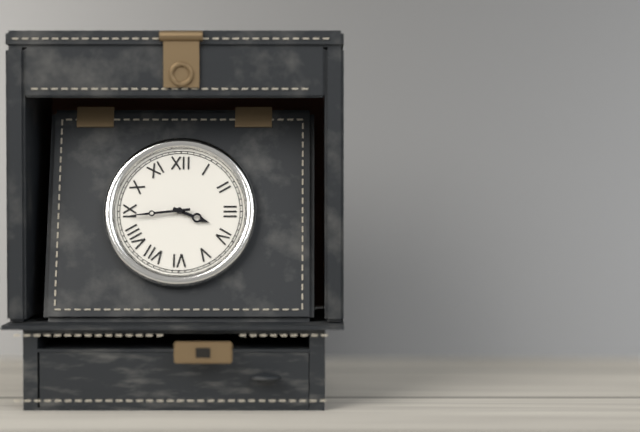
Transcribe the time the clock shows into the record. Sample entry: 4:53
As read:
3:44
